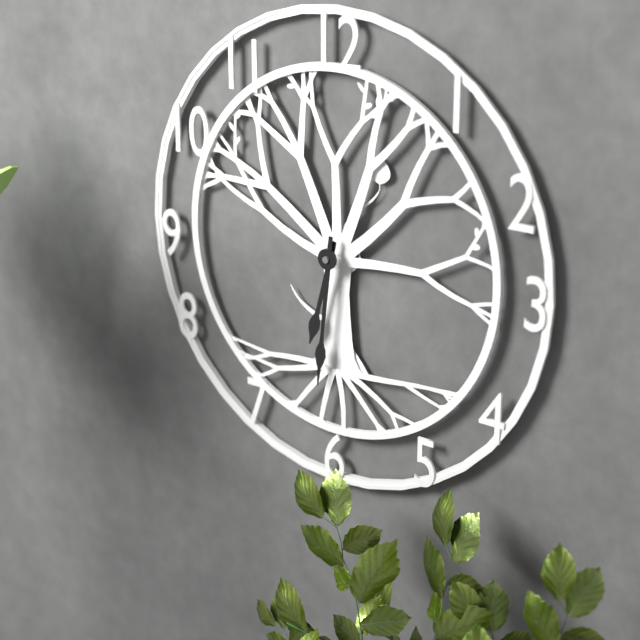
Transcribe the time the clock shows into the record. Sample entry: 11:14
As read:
6:31
